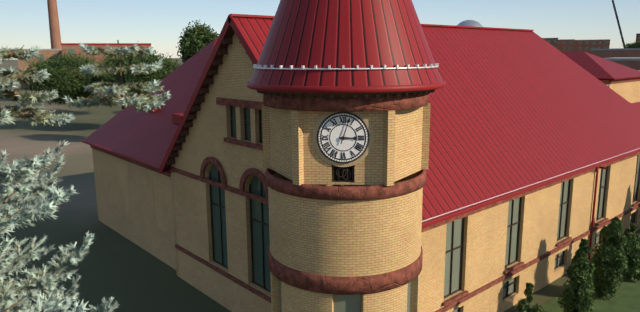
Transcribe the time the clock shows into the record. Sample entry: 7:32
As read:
3:03
